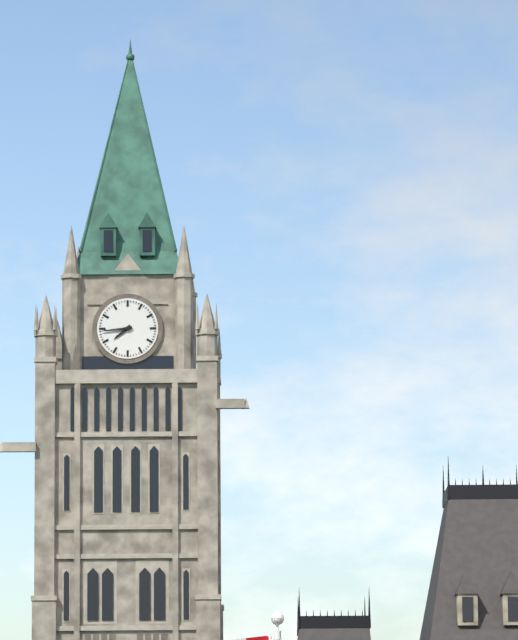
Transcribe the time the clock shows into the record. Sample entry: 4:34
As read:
7:44
